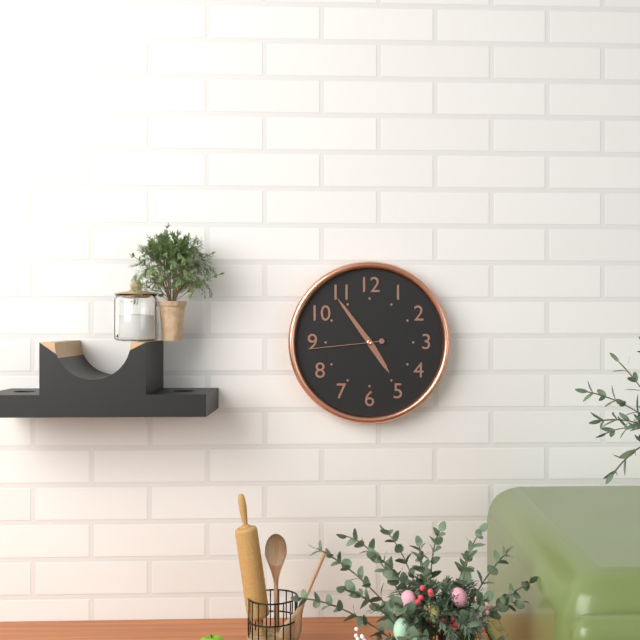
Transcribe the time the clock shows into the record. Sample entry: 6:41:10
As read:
4:54:44
